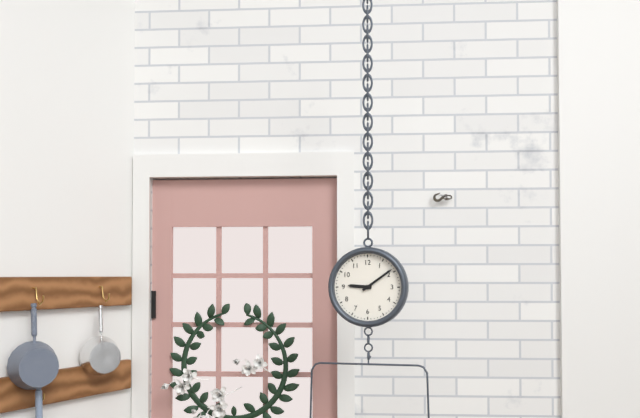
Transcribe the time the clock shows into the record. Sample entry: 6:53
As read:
9:09
